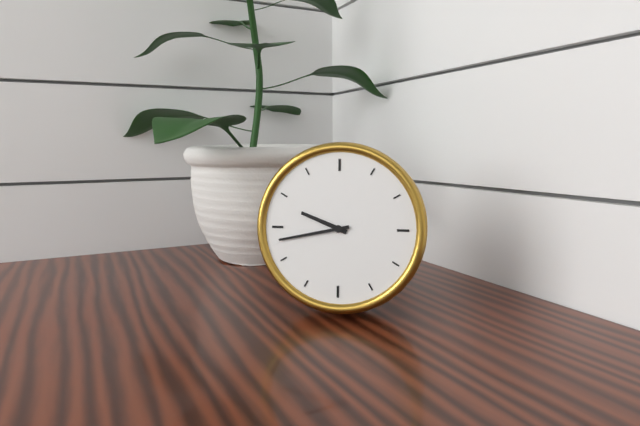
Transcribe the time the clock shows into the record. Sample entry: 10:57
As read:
9:43
